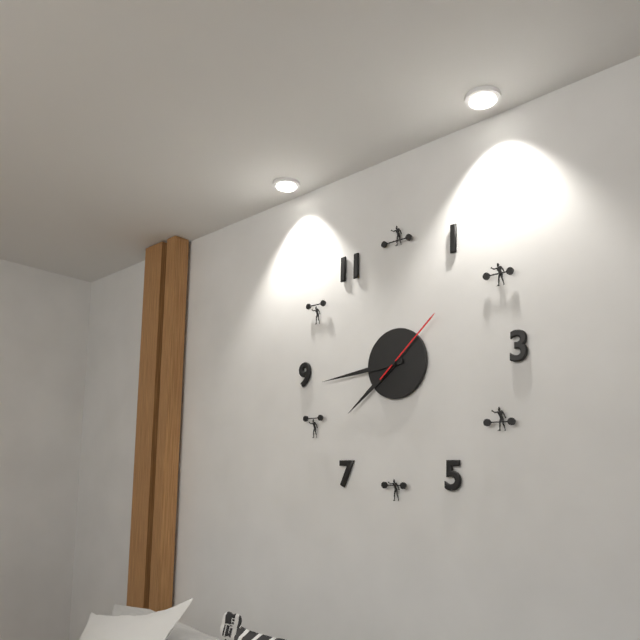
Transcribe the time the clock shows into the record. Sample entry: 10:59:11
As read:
7:44:08
